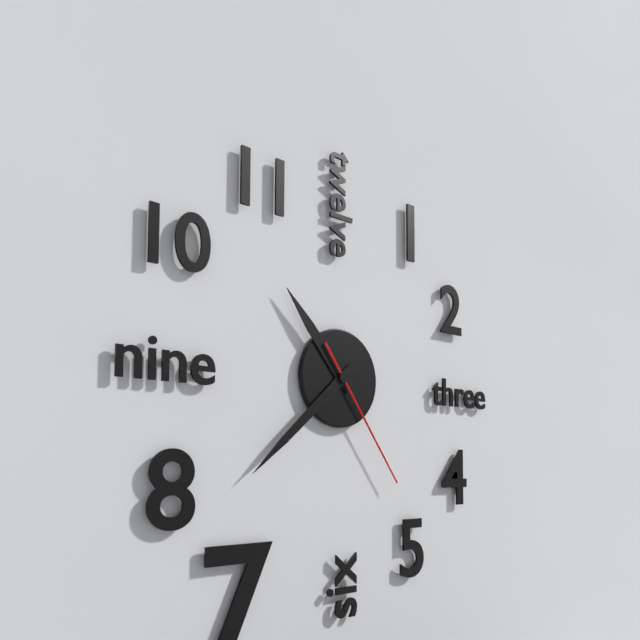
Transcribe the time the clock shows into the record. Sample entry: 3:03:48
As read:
10:38:24
